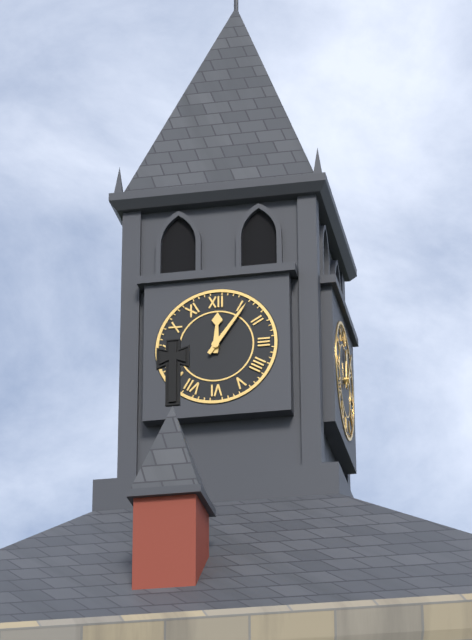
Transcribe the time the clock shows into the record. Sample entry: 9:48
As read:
12:06
